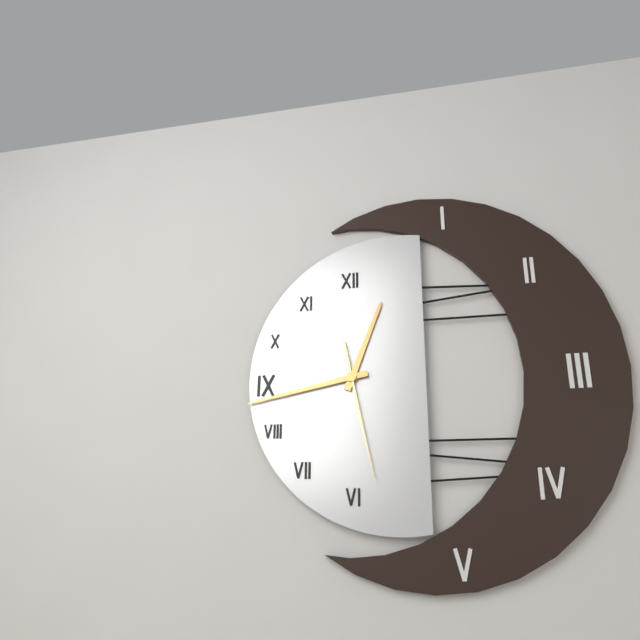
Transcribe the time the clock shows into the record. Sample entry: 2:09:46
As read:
12:43:28
